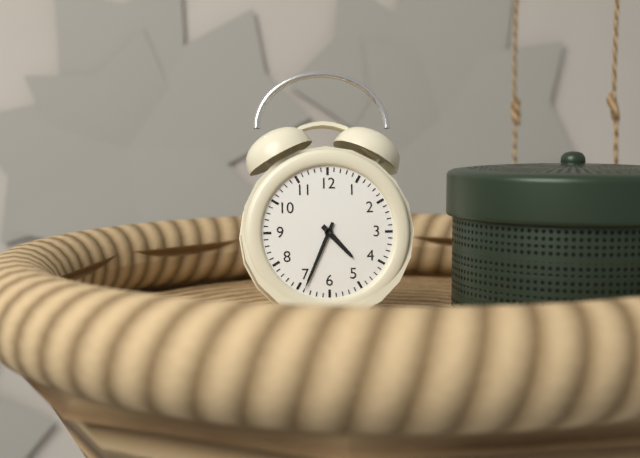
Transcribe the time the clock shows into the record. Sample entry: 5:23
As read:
4:34
